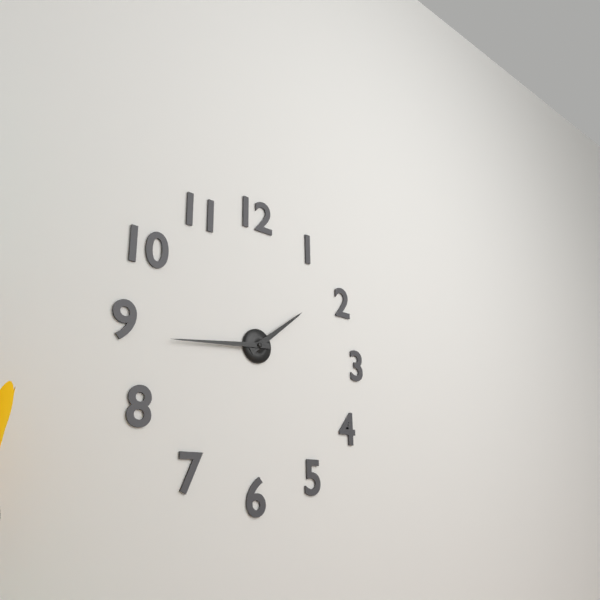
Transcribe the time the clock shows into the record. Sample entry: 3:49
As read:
1:44
